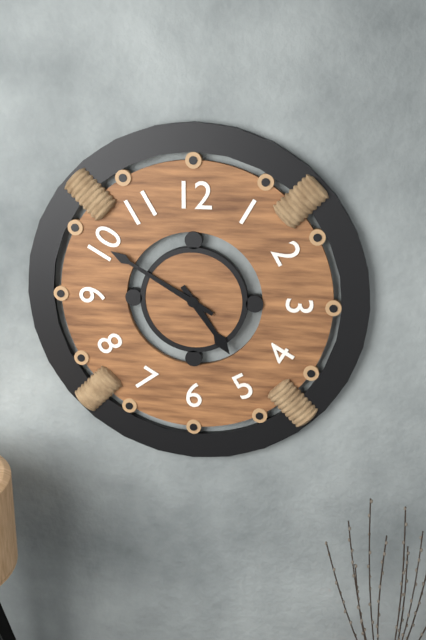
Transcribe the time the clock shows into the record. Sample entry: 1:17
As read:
4:50
